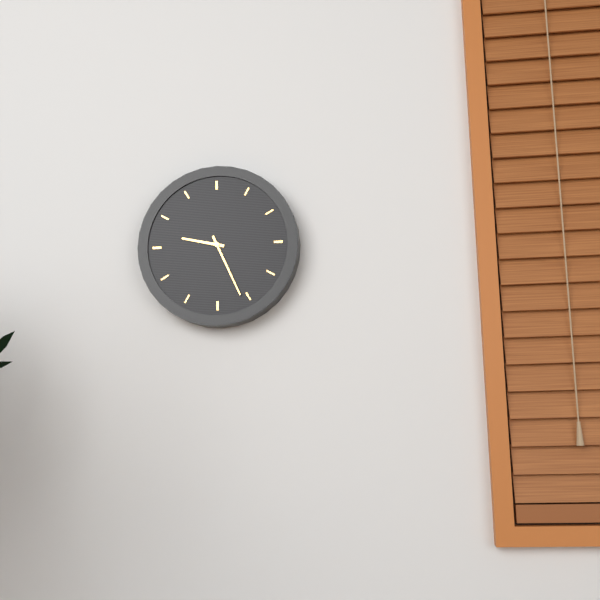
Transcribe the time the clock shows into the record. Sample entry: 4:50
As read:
9:26
